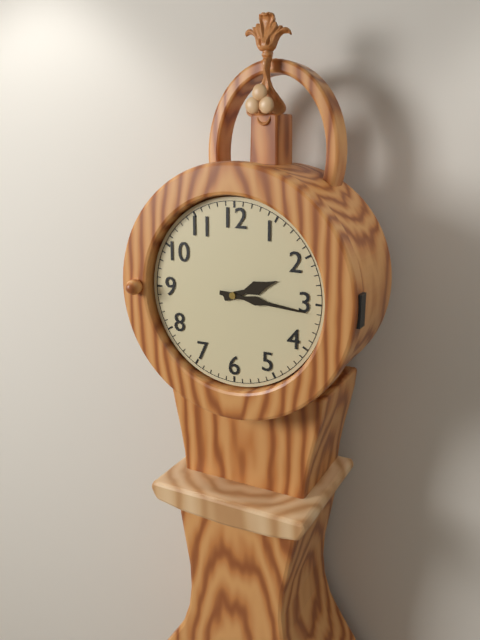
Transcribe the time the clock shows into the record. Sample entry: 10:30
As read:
2:16
